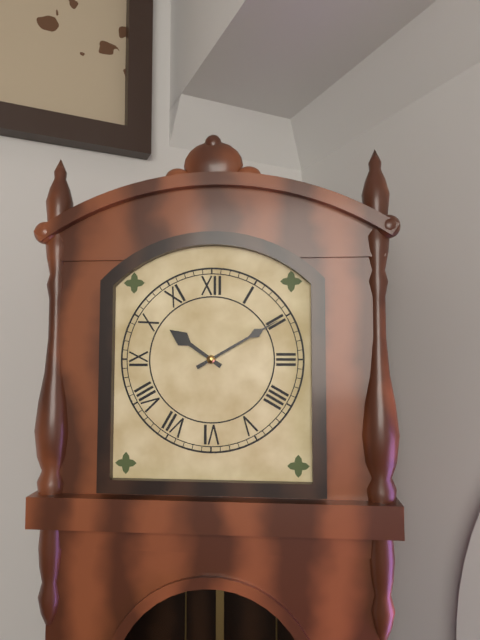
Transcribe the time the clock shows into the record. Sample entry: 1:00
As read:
10:10
